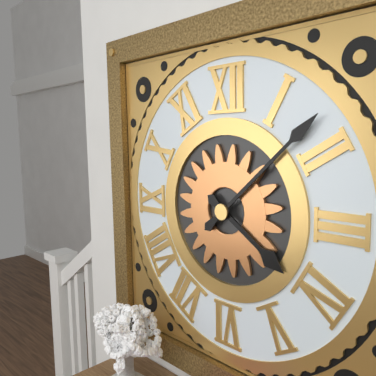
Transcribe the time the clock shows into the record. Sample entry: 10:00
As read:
4:08
